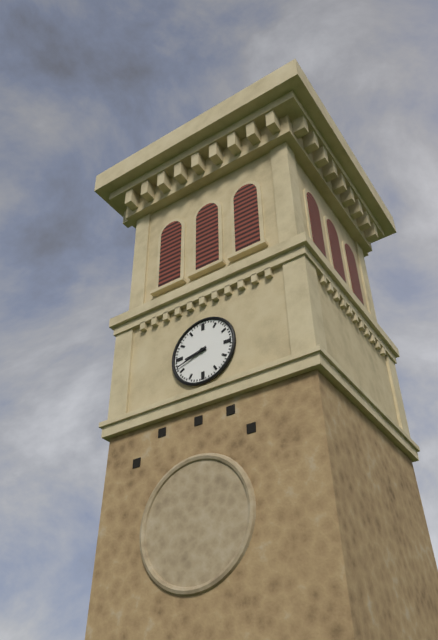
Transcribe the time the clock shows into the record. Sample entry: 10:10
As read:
8:42
